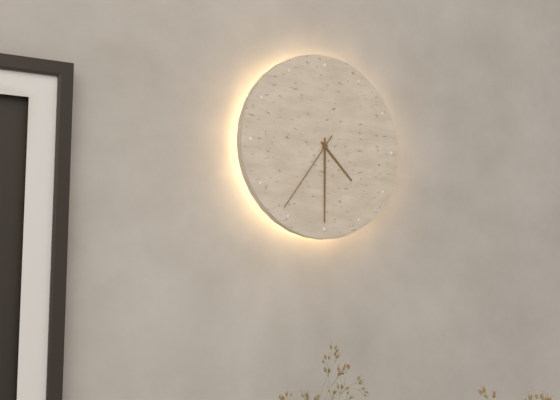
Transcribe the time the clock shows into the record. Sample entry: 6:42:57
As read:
4:30:36
